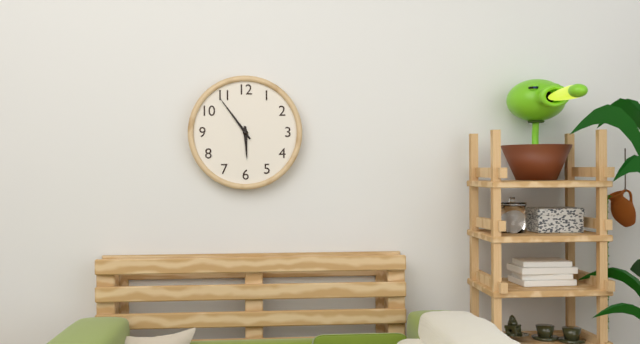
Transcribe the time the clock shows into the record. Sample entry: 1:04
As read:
5:54
